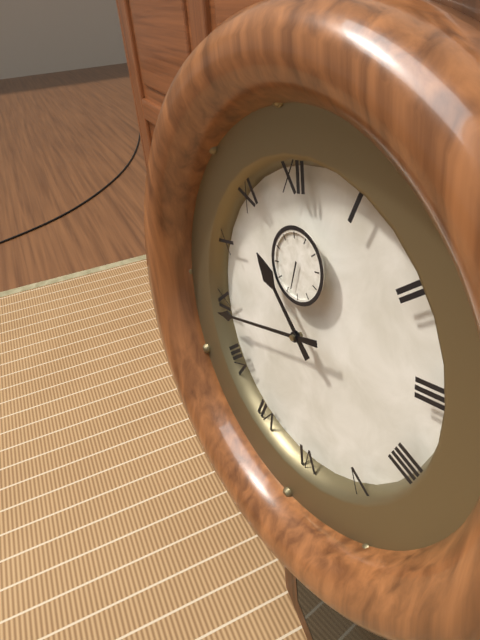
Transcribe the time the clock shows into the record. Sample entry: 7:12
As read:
10:44
